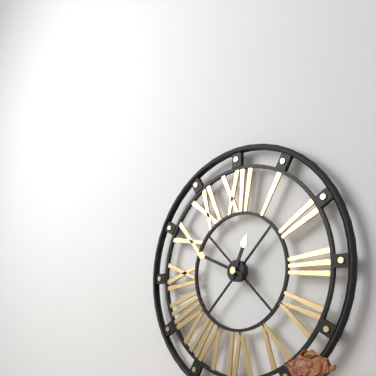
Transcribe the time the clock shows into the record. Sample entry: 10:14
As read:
12:49
